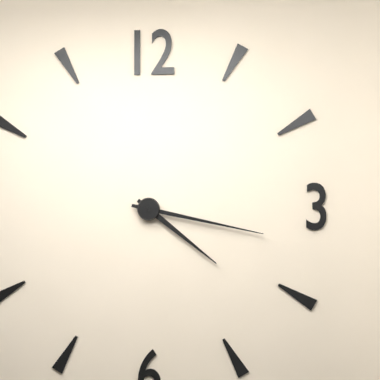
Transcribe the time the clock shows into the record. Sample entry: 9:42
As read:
4:17
